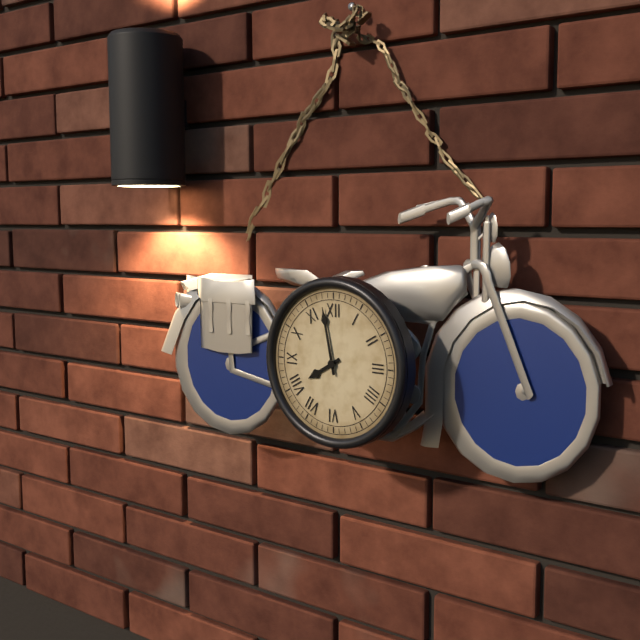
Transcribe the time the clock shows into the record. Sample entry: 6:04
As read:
7:58
